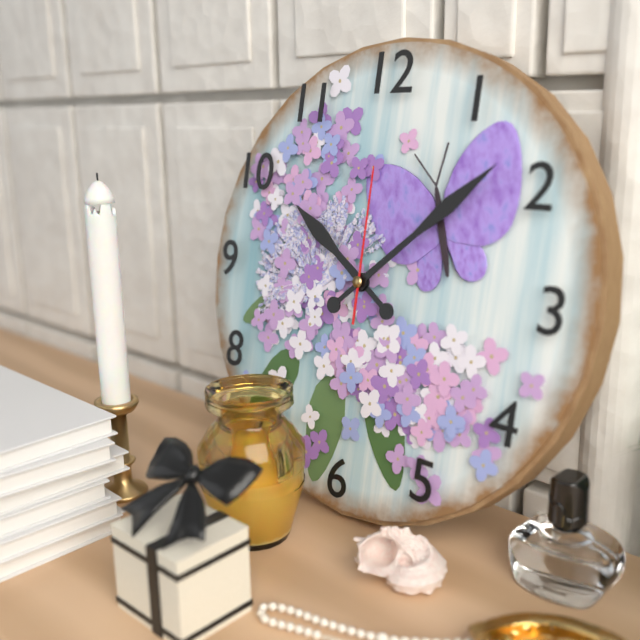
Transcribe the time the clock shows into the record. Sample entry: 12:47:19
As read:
10:08:00
